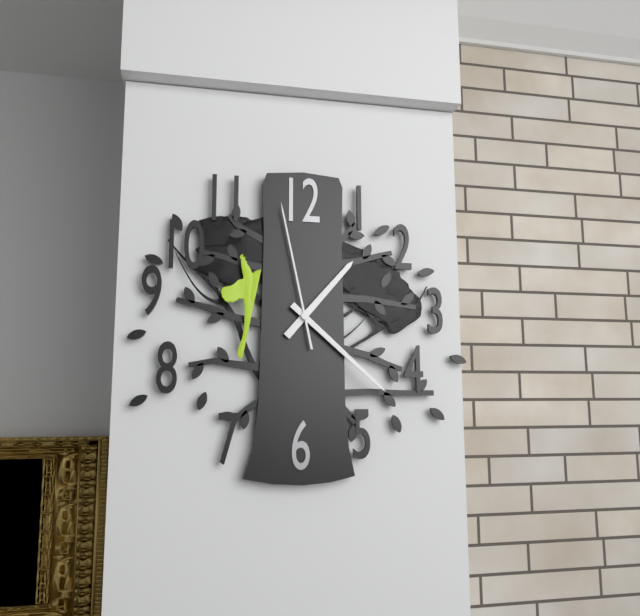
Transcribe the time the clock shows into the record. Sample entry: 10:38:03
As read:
1:22:58
